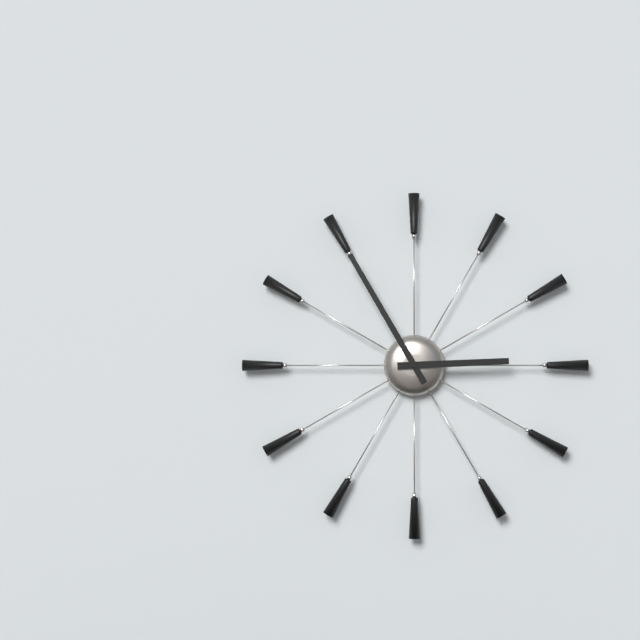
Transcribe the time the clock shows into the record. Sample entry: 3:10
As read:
2:55
